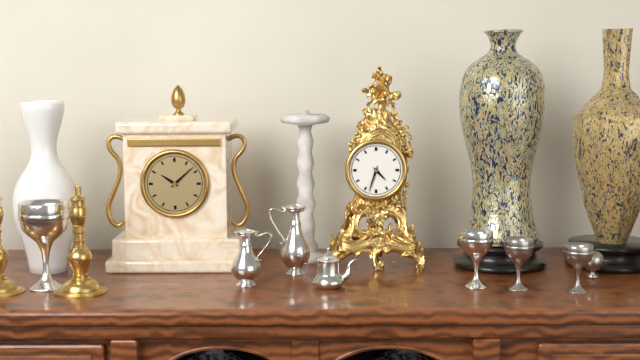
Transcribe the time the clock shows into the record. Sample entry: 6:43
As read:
4:33
